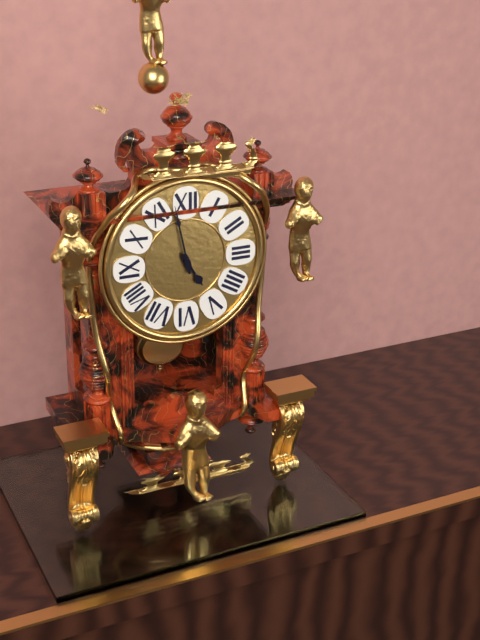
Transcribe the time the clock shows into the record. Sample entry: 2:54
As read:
4:58
